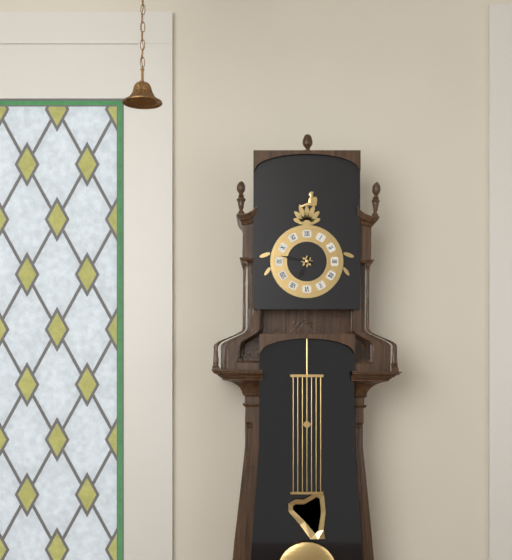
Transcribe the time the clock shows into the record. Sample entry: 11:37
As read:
6:47
